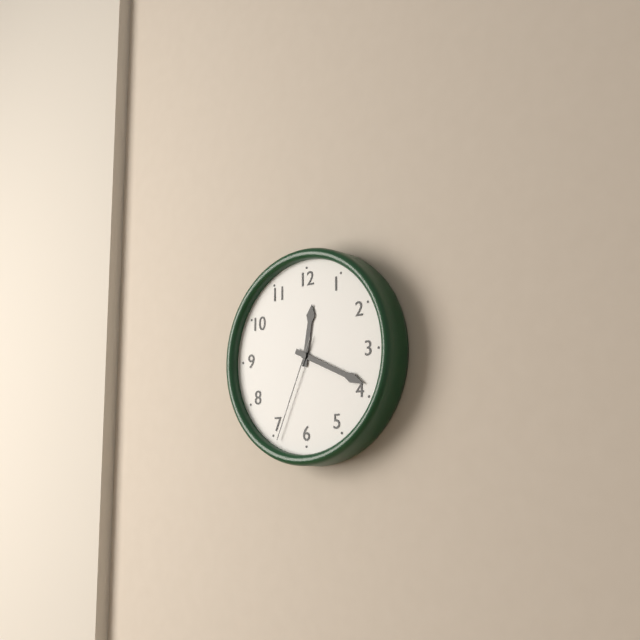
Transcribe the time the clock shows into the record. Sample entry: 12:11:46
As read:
12:19:34
